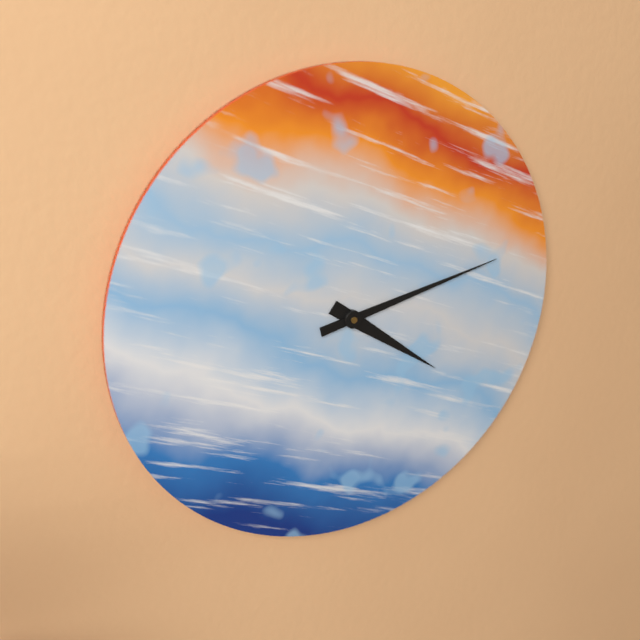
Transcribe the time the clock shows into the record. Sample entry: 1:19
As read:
4:13
